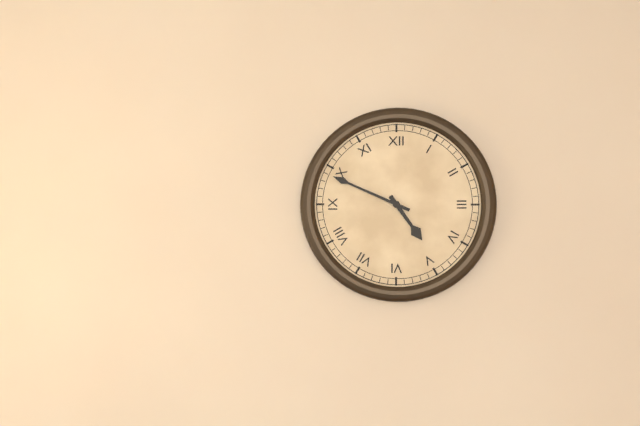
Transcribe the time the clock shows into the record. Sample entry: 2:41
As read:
4:49
